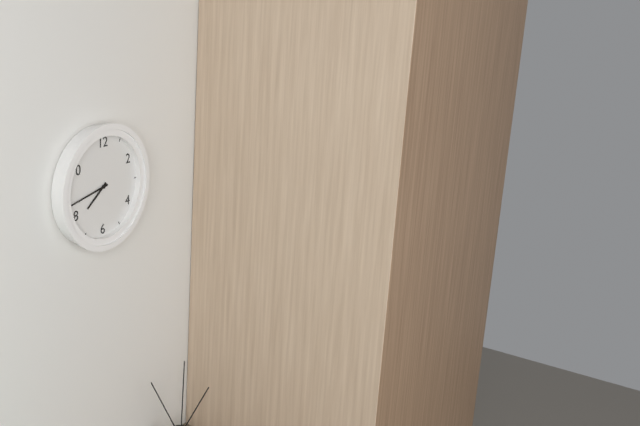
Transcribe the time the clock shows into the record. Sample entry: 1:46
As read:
7:43
